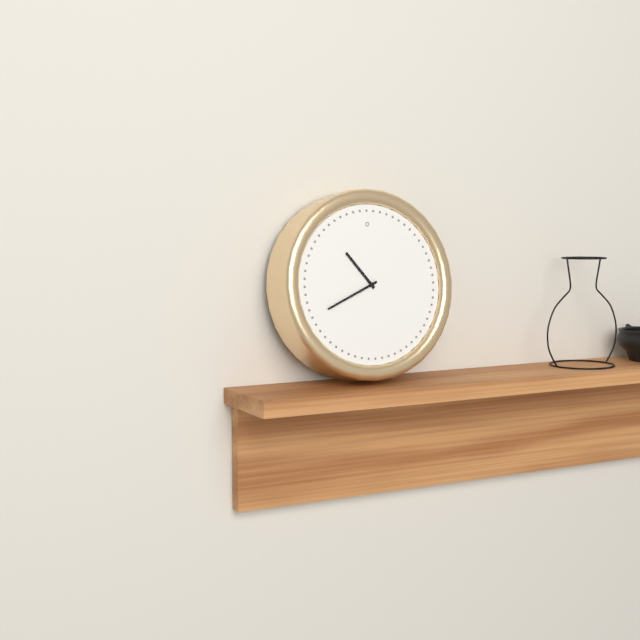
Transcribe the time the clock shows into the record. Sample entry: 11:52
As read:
10:41
